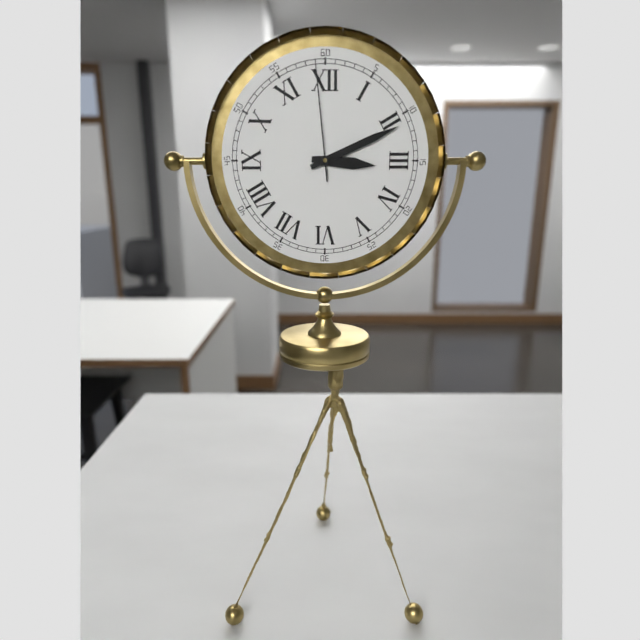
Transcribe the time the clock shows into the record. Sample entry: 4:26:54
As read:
3:11:59
